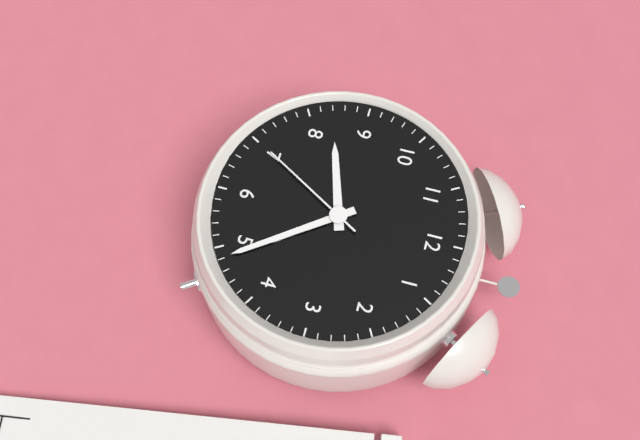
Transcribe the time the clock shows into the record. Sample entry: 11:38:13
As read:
8:24:35
